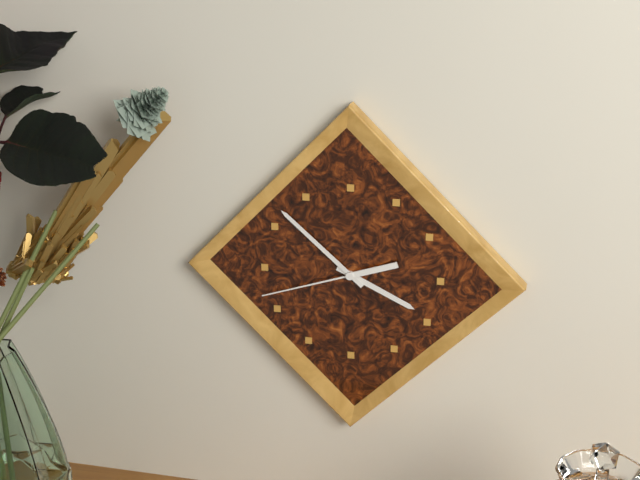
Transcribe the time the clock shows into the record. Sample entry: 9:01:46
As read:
3:52:42
